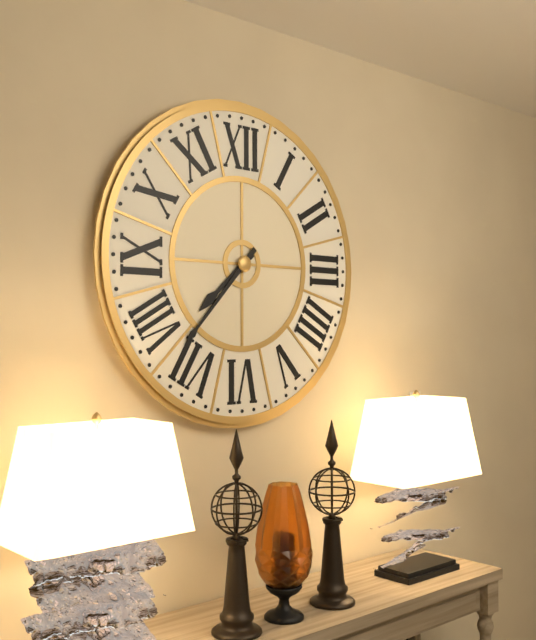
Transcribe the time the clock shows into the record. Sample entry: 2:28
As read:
7:37
